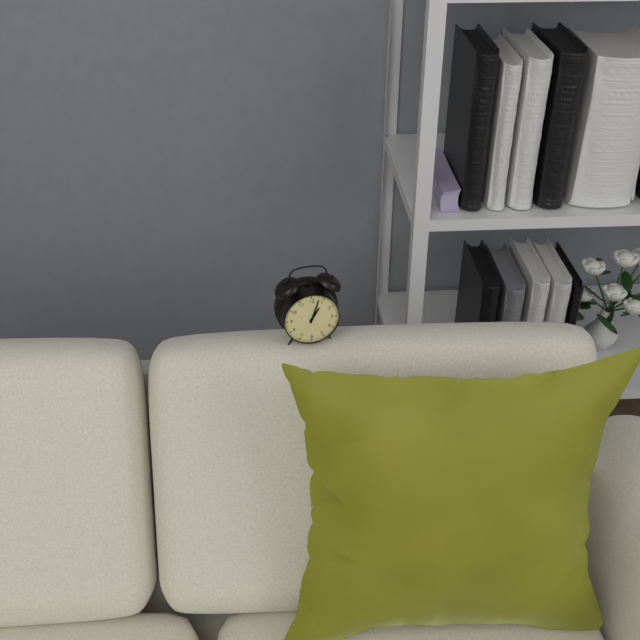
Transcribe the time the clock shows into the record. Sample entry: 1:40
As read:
1:03
